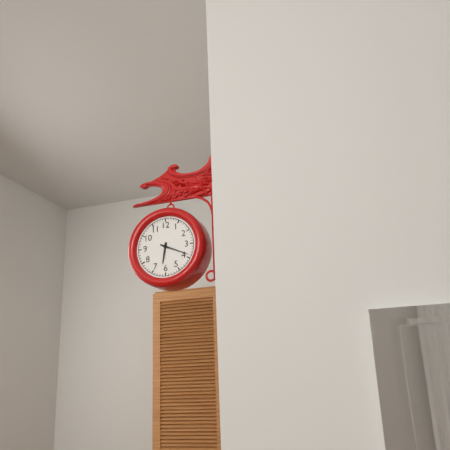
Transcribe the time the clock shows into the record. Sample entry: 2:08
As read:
6:19
